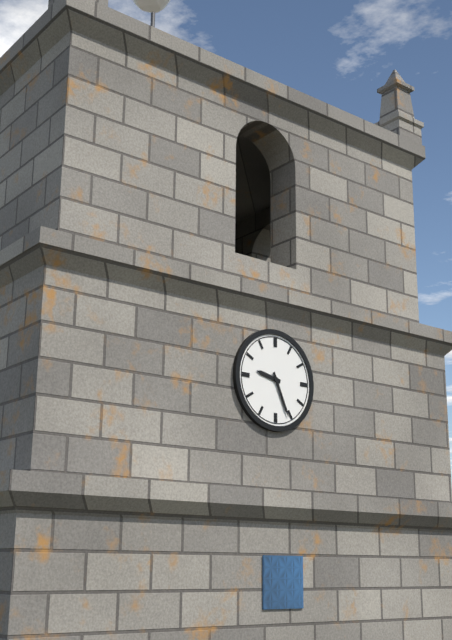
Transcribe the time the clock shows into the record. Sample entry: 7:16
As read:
9:26
